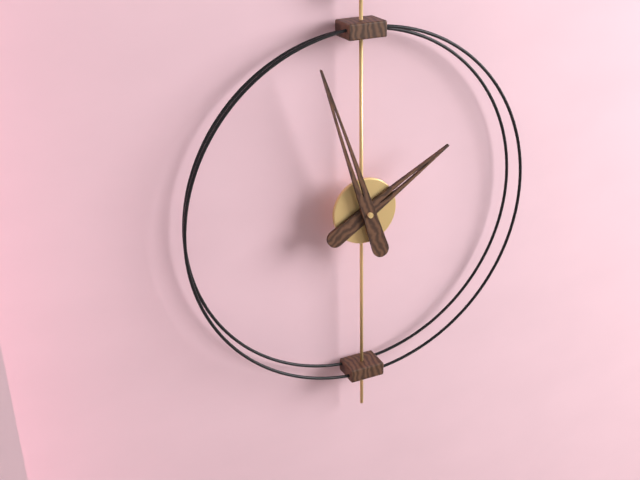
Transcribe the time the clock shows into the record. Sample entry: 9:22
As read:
1:57
